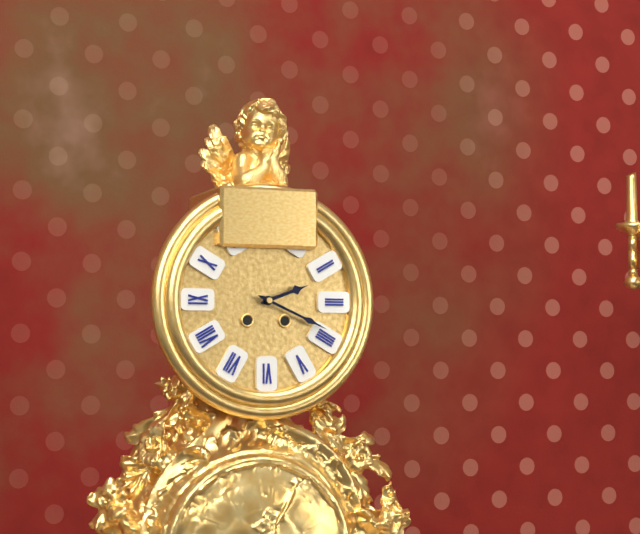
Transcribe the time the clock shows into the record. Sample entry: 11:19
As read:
2:19
